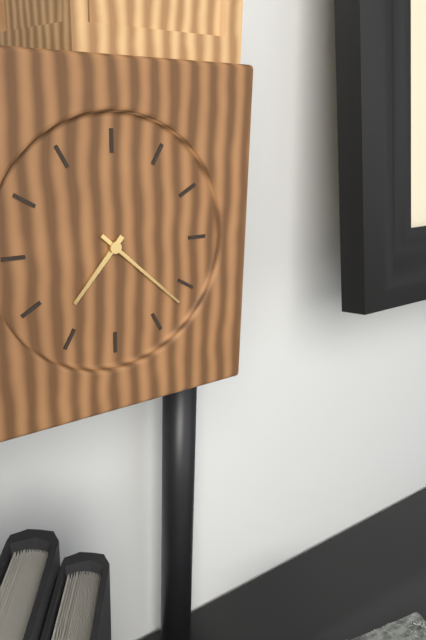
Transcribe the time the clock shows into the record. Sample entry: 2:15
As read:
7:22
